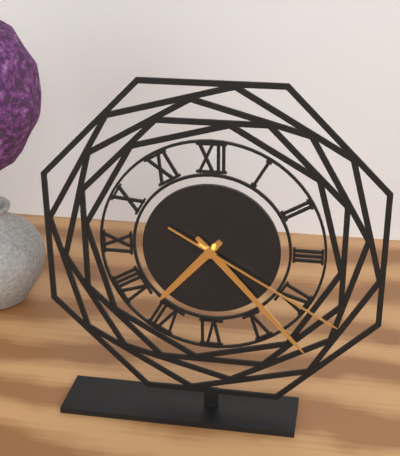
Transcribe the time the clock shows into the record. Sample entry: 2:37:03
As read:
7:23:20
